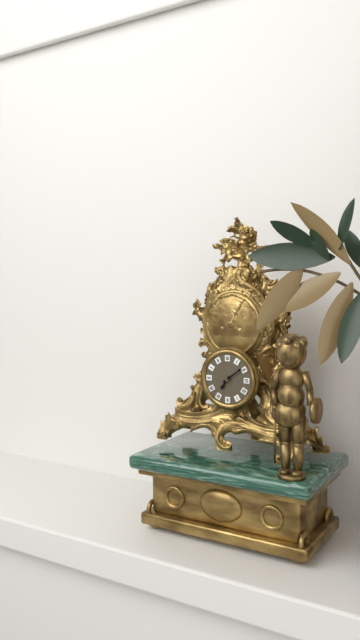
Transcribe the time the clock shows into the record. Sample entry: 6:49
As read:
7:09
